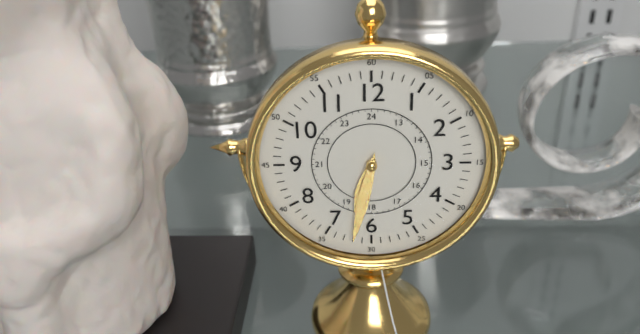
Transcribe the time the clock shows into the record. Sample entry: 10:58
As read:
6:32
